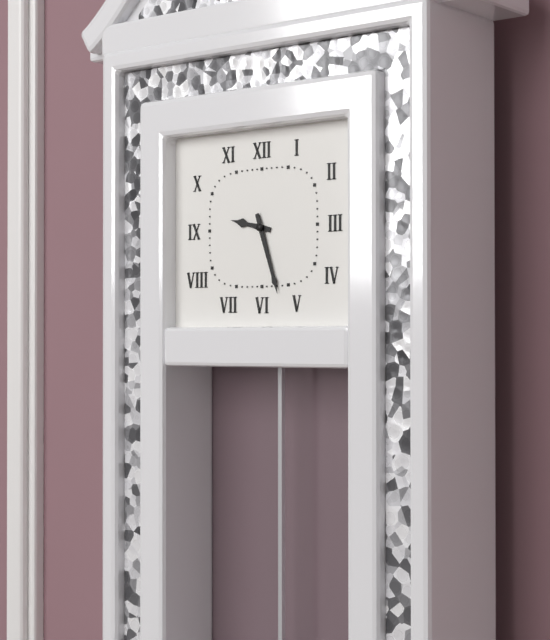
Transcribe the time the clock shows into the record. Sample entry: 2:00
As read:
9:27
